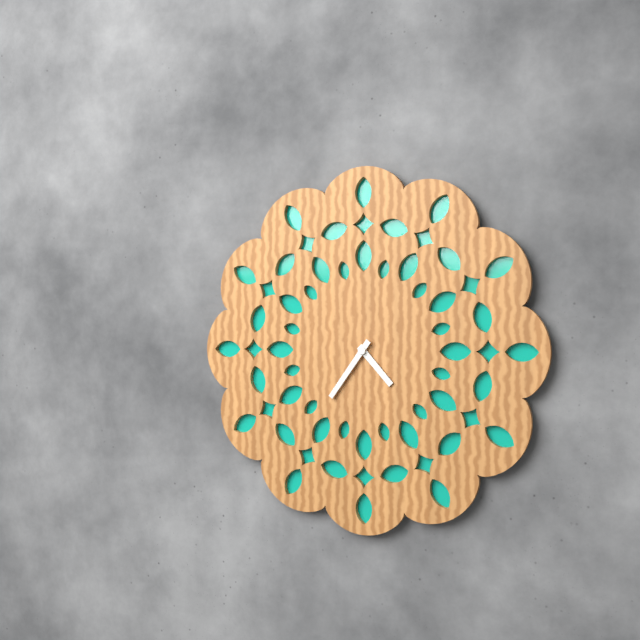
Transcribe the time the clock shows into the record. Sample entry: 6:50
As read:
4:36
